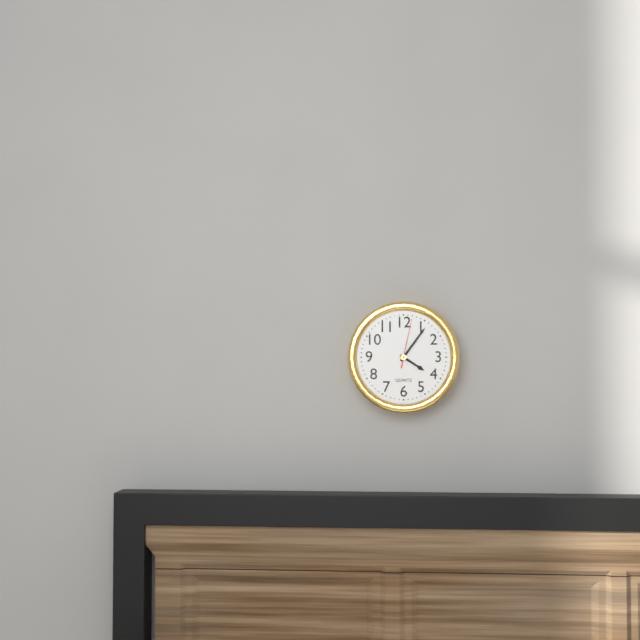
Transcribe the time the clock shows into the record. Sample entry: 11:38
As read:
4:06
